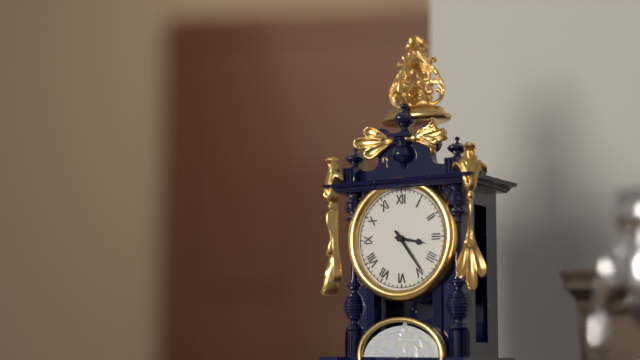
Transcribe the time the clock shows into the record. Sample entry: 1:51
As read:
3:24
